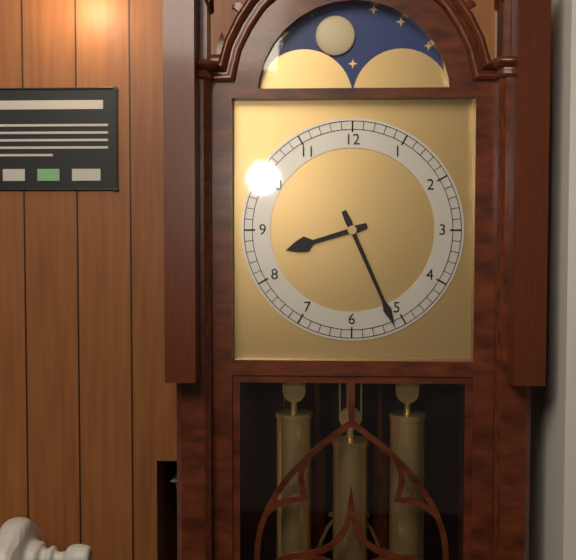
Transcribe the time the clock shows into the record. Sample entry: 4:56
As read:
8:26
